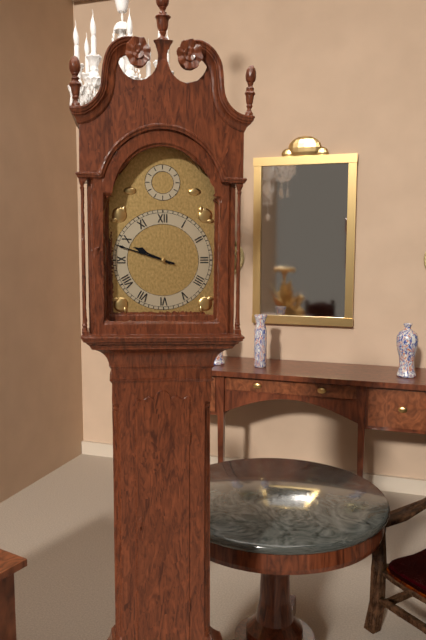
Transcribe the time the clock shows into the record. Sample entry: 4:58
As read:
9:48
